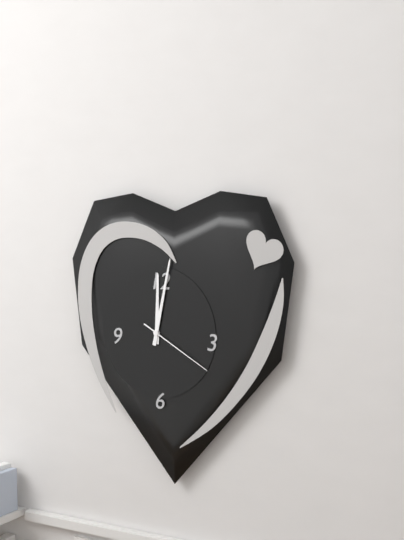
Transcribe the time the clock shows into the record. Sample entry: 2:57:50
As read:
12:02:20
